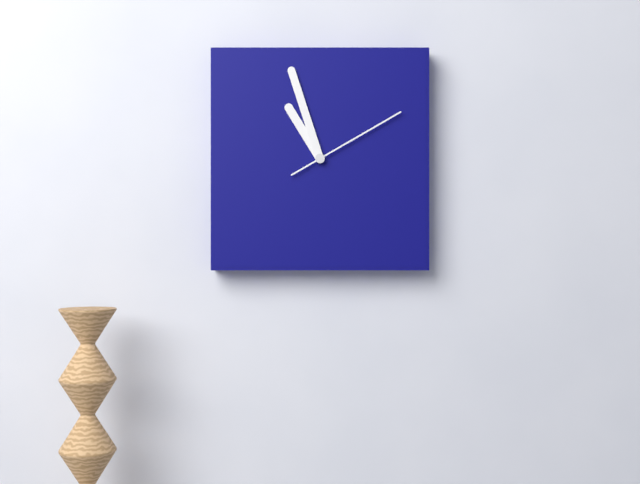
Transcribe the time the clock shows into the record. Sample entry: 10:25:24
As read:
10:57:10
